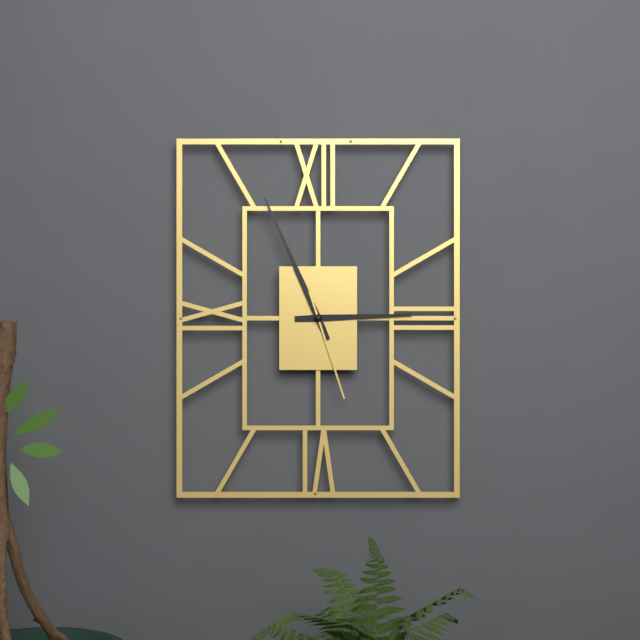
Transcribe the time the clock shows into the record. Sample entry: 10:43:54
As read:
2:56:27
